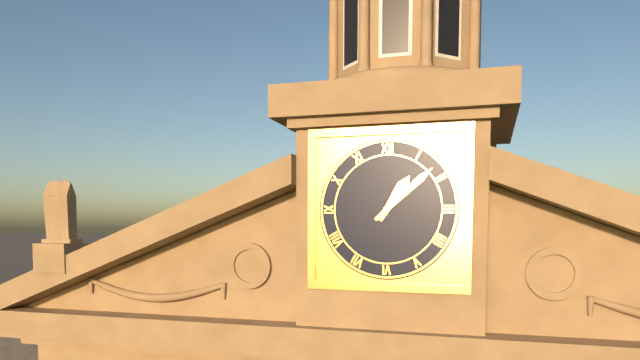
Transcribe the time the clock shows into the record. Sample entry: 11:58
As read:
1:08
